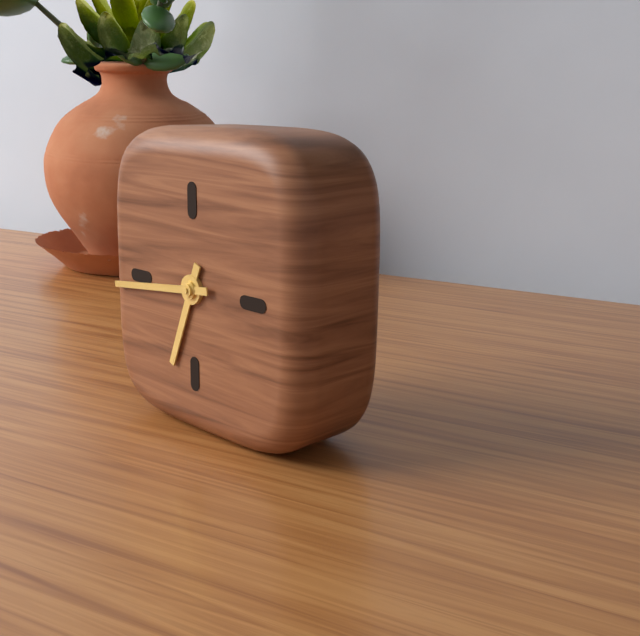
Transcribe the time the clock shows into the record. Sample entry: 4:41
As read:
6:44
